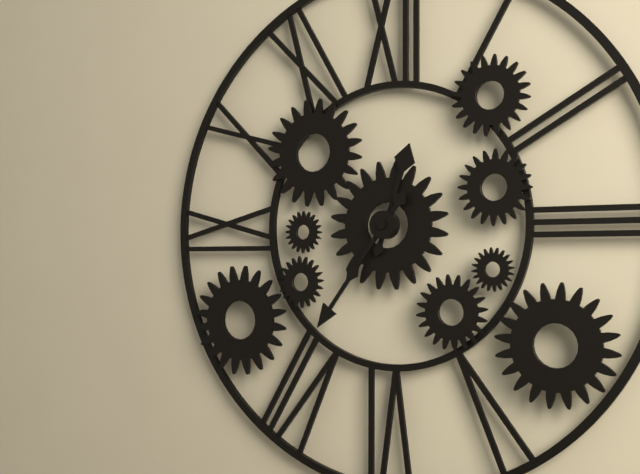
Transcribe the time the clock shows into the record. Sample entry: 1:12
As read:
12:36
